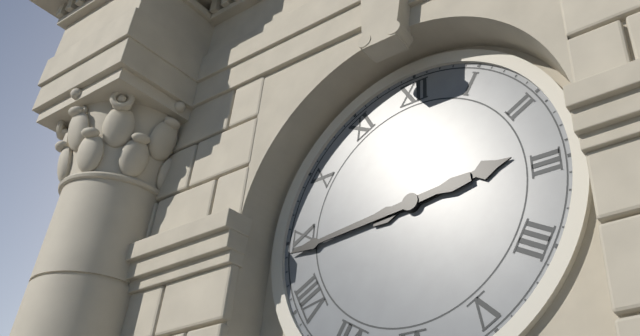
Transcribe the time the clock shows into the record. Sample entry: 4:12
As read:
2:44
